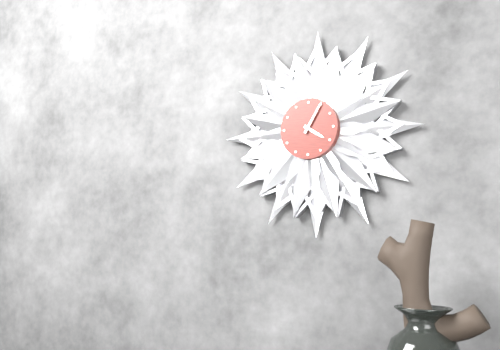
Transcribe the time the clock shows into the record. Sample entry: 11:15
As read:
4:05
